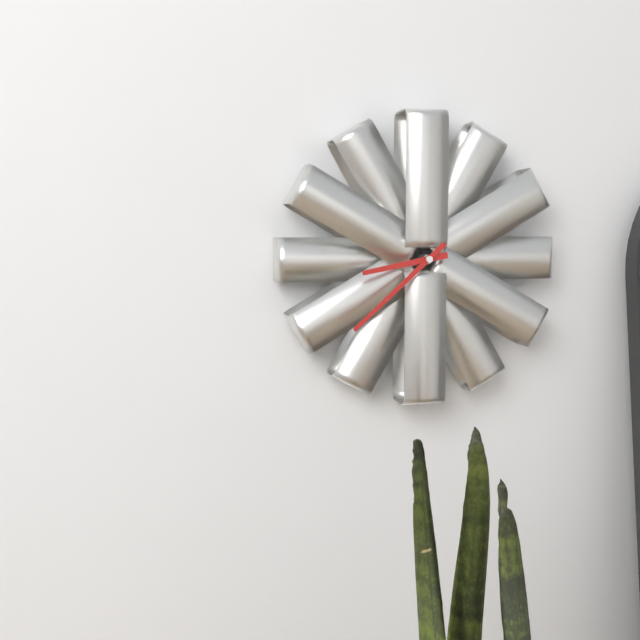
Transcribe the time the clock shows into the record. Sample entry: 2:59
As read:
8:38
